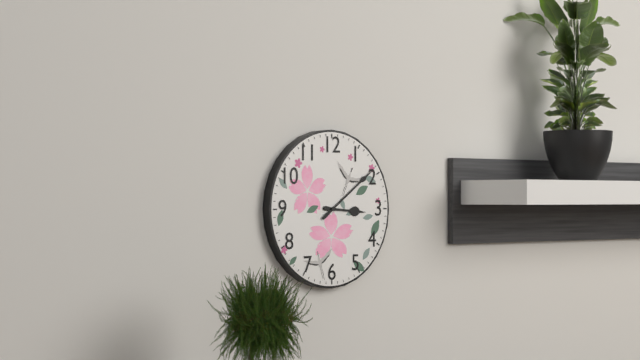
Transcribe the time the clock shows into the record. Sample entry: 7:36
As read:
3:09
